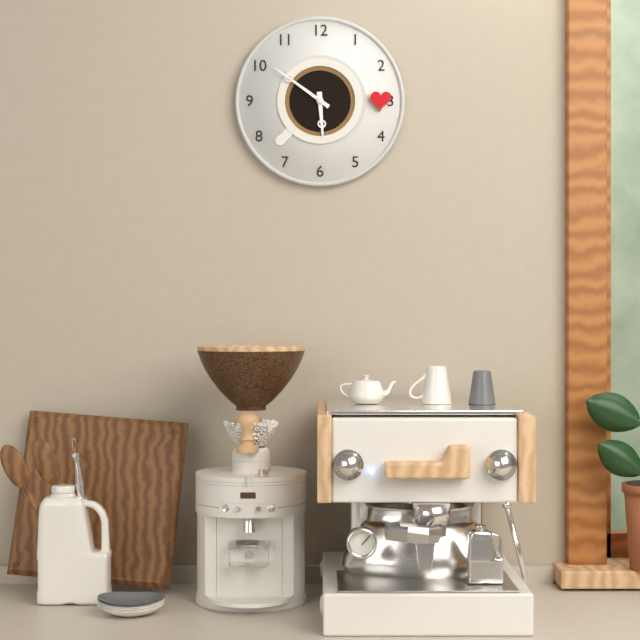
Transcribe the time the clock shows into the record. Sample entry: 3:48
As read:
5:51
